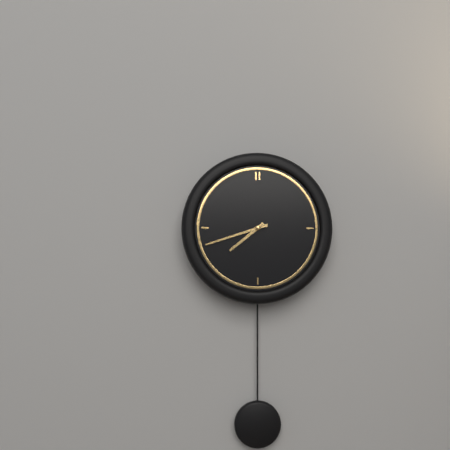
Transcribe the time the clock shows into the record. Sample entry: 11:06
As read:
7:42
